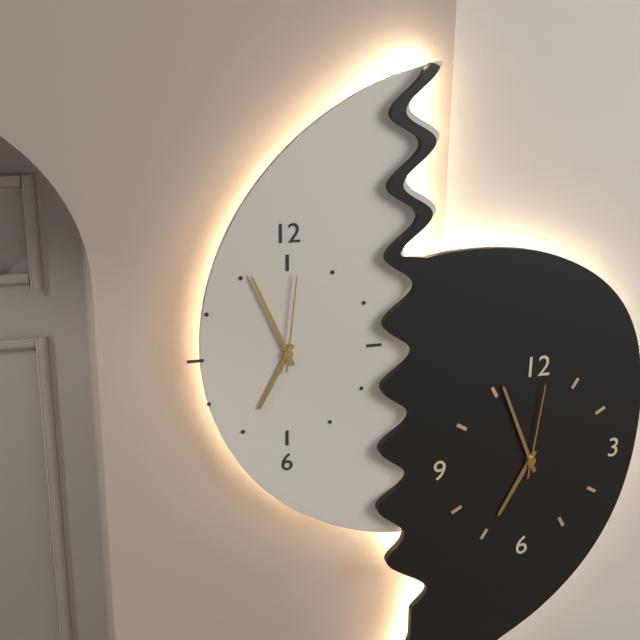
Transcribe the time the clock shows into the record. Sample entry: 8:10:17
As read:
6:56:01
